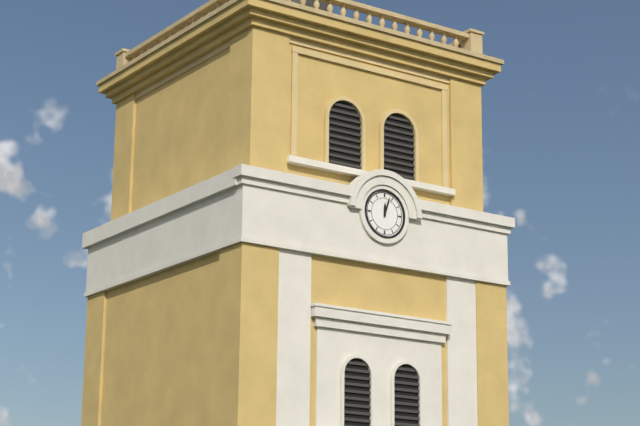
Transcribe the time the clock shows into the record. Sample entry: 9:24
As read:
12:03
